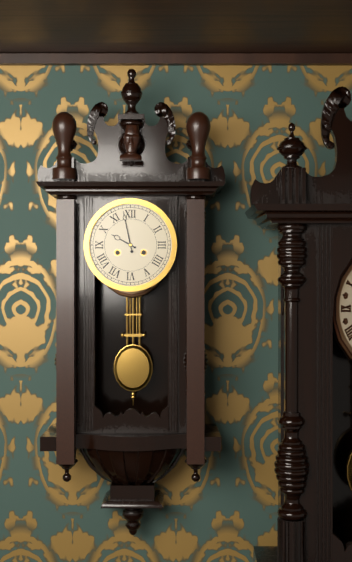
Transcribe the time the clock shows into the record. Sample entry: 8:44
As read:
9:58
